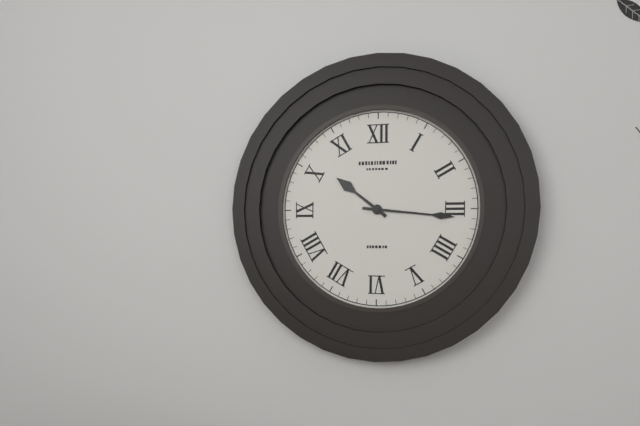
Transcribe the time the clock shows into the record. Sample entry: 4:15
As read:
10:16
